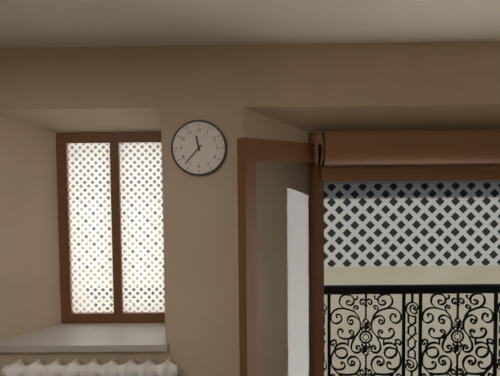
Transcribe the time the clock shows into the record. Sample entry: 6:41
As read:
11:37
